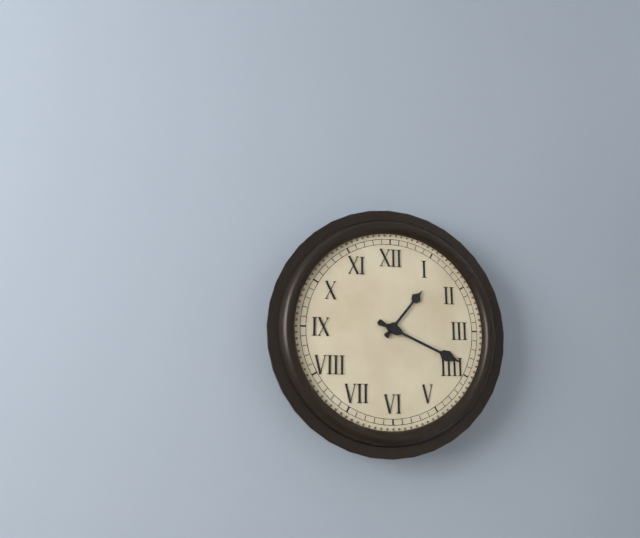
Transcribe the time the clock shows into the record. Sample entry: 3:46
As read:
1:19
